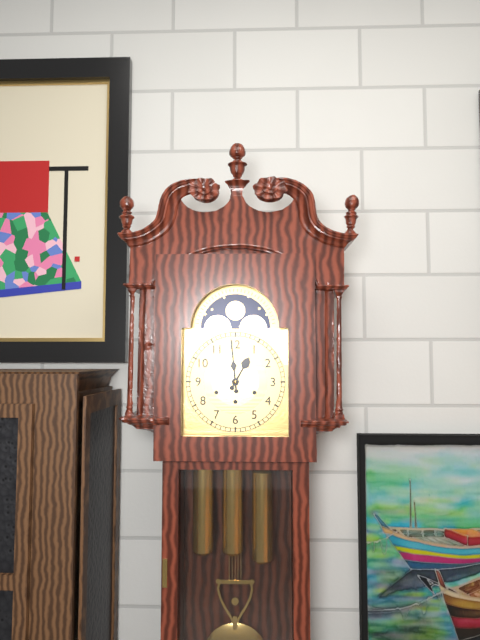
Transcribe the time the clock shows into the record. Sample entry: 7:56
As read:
12:59
